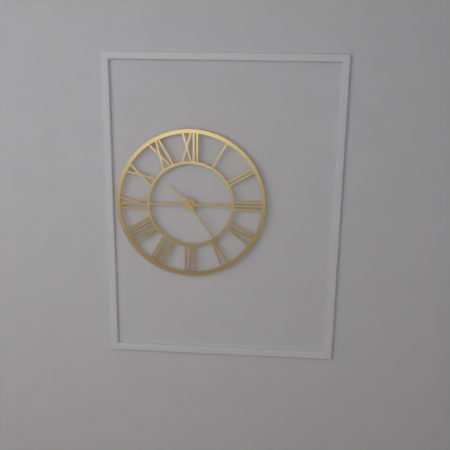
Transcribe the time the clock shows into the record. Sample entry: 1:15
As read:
10:24
